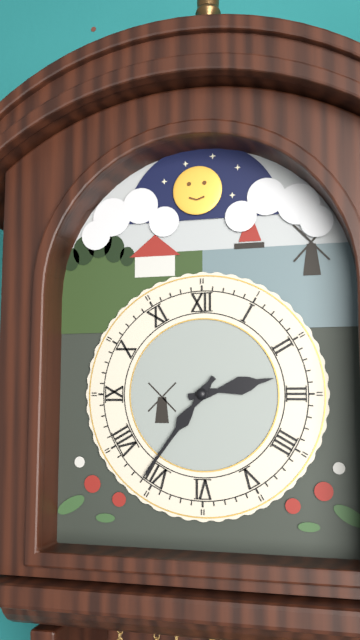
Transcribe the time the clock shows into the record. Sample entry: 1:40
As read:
2:36
